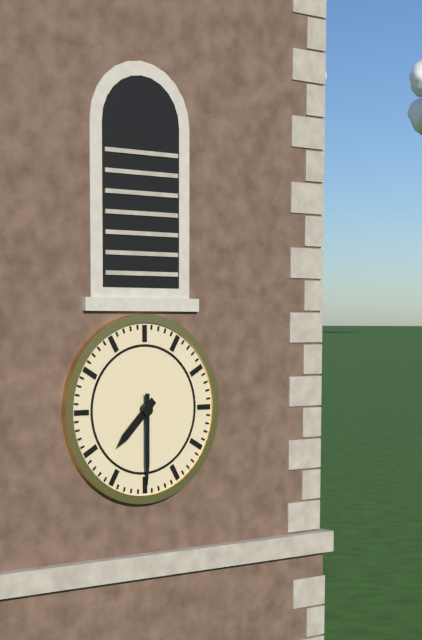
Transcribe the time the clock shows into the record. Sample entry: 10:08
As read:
7:30
